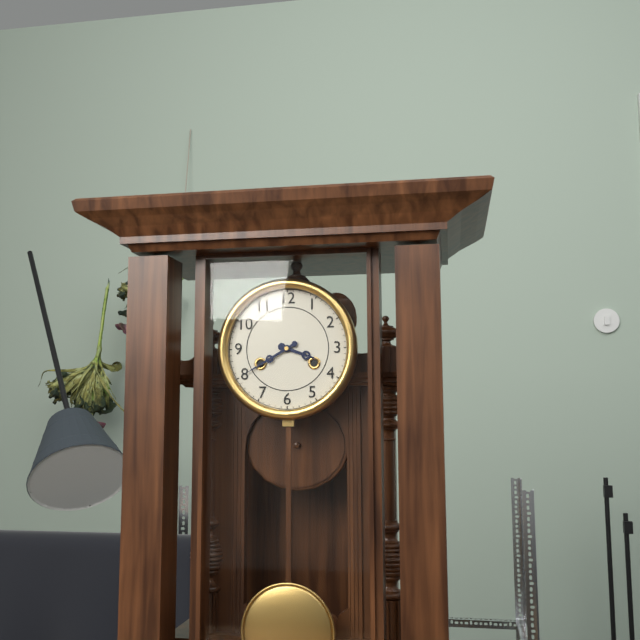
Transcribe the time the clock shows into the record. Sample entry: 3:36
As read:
3:40
